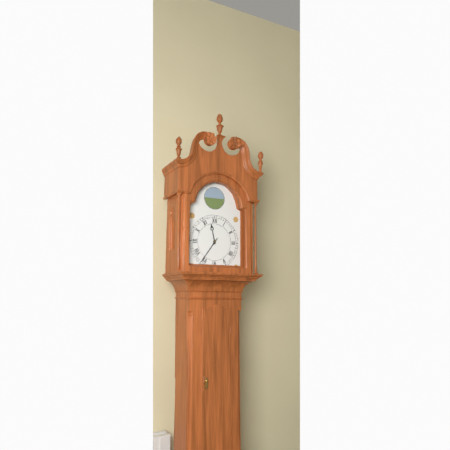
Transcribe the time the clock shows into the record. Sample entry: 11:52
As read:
11:36
